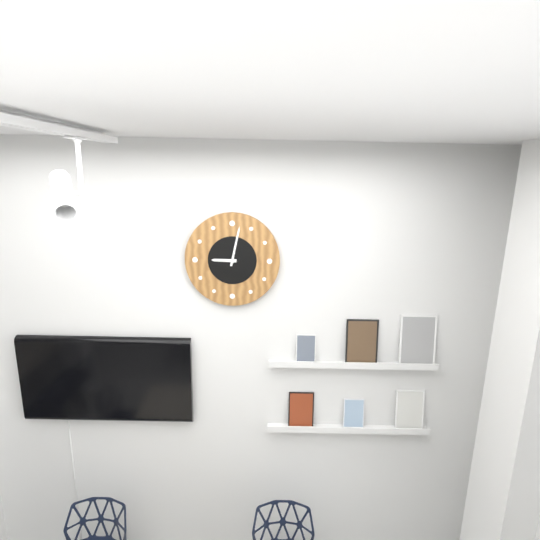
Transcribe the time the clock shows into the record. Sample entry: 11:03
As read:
9:02
